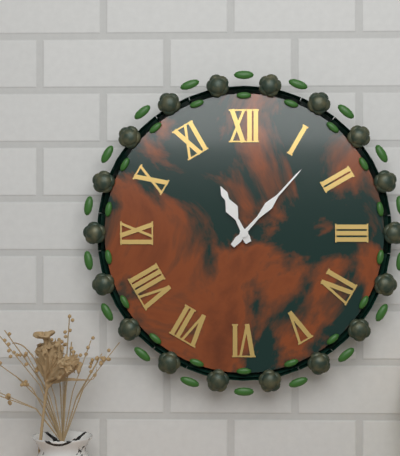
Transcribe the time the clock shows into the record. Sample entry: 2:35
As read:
11:07
